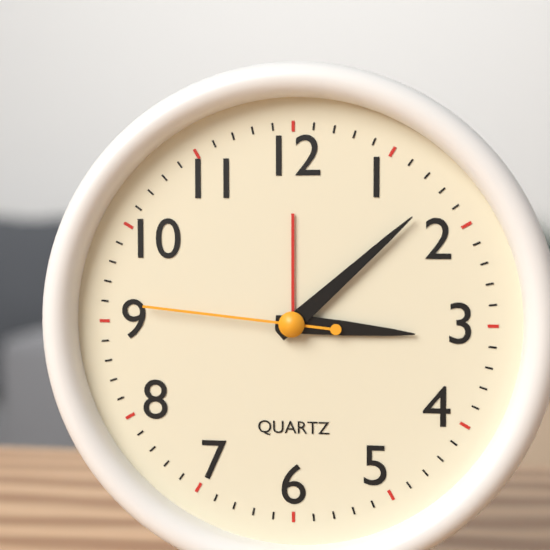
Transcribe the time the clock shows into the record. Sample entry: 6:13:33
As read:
3:08:46
